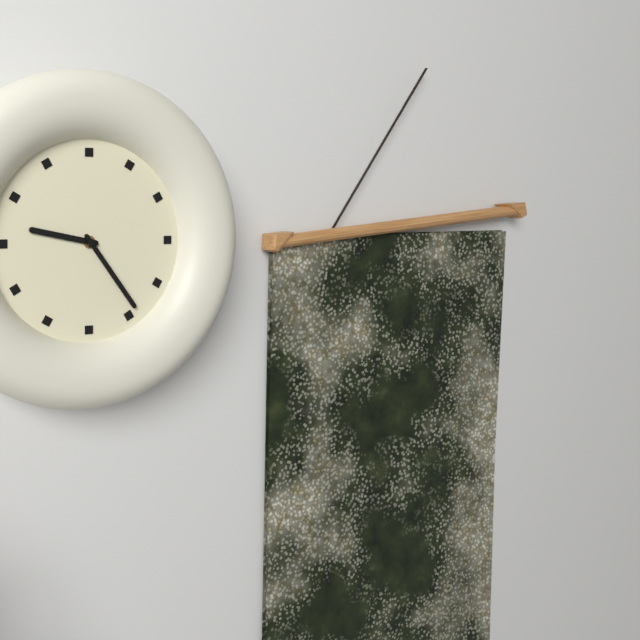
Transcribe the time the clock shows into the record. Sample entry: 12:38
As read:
9:24
